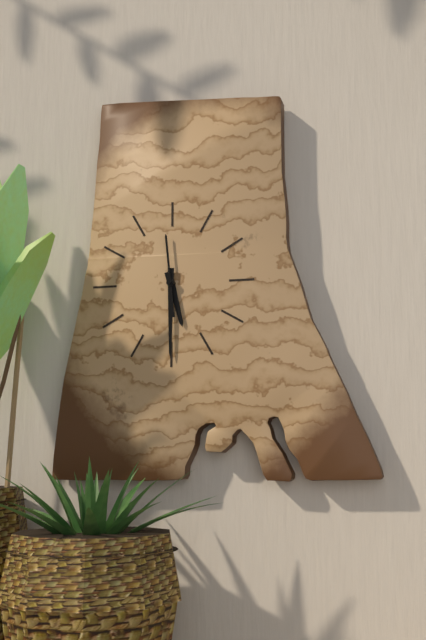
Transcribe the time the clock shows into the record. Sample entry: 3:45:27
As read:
5:30:59
